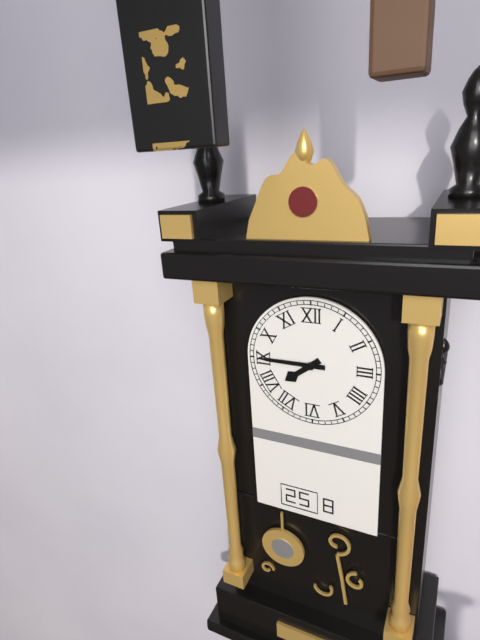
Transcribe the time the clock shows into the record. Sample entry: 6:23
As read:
7:45
